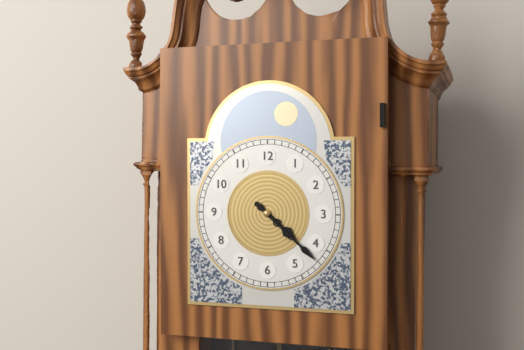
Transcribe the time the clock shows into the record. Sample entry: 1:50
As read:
4:22
